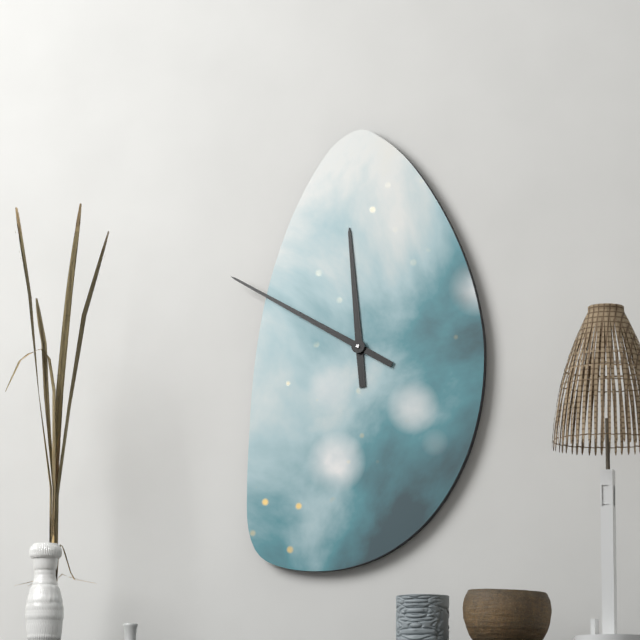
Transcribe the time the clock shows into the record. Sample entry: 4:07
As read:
11:50
